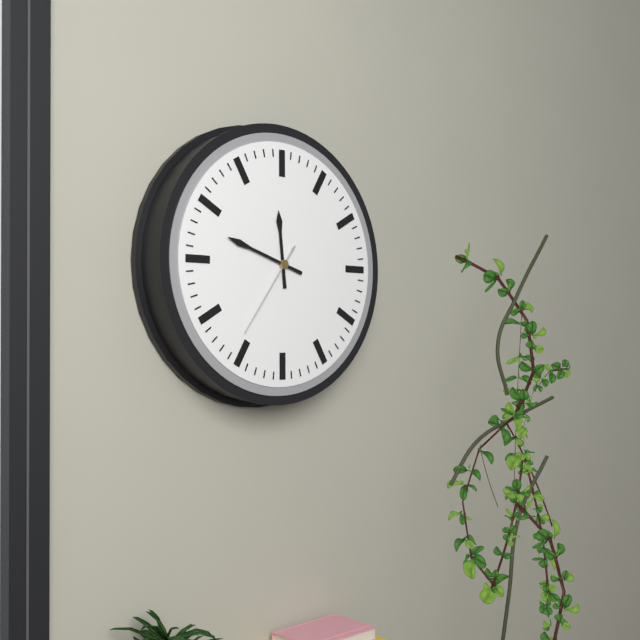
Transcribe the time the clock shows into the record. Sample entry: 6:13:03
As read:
11:48:36
